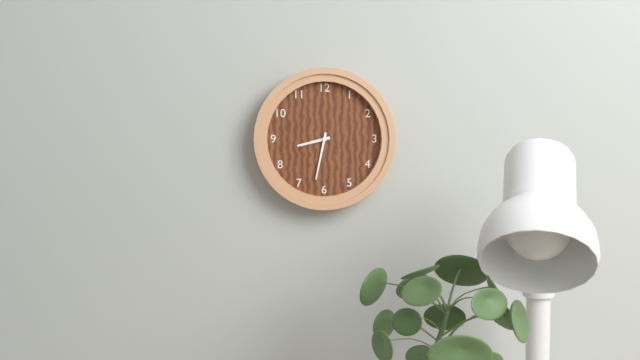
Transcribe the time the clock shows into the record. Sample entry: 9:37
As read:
8:32
